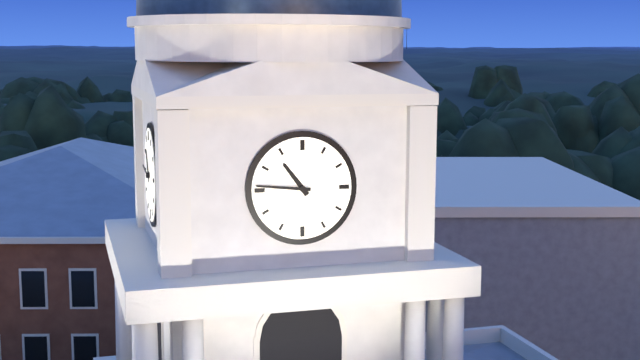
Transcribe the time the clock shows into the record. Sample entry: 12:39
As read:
10:46
